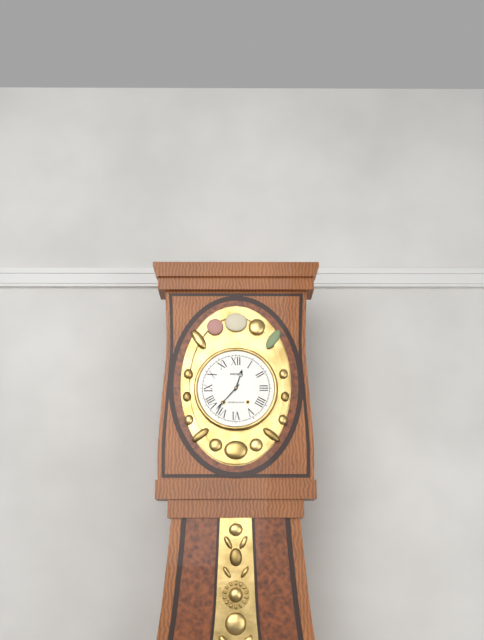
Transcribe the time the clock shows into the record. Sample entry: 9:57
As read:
12:37
